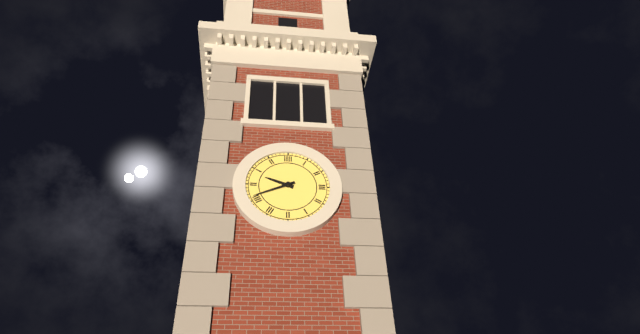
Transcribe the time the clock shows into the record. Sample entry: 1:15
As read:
9:41
